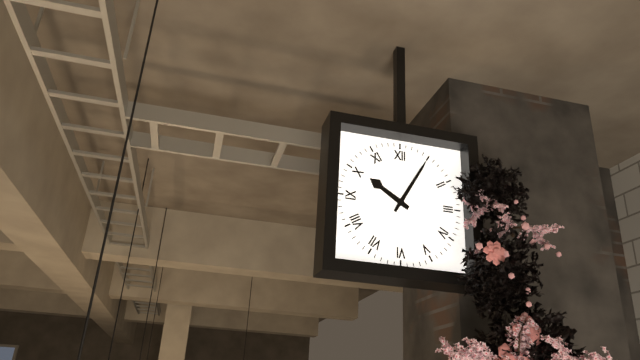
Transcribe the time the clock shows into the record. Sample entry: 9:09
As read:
10:05
